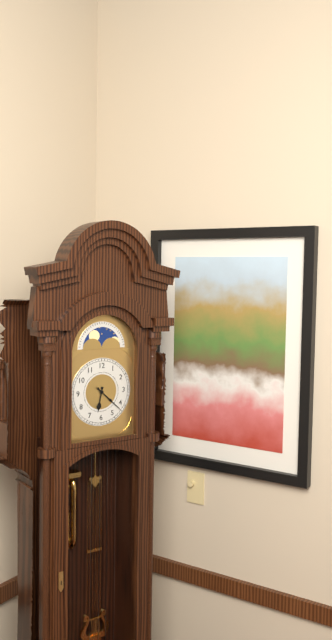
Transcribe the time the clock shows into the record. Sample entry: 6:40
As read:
6:22
